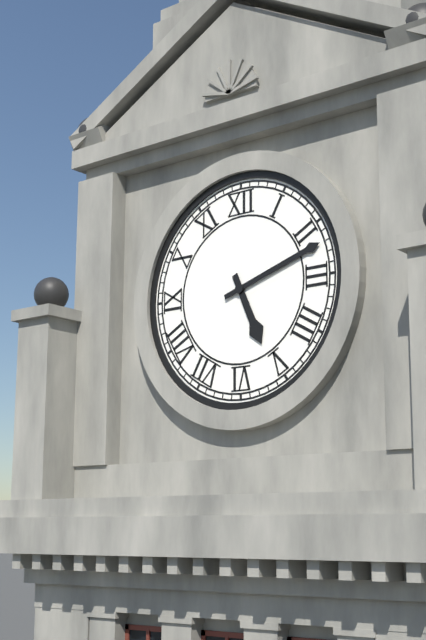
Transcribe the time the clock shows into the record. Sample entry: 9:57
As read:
5:12
